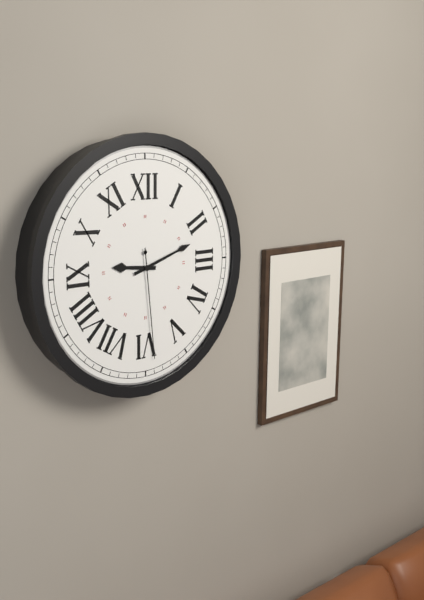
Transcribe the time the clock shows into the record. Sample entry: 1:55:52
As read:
9:12:29
